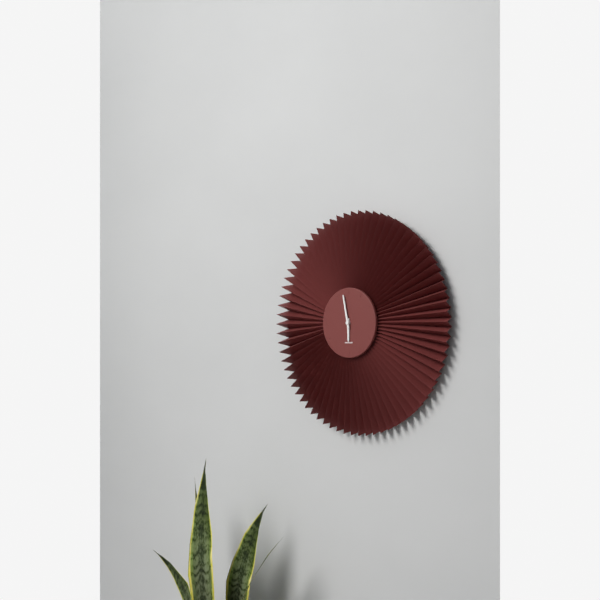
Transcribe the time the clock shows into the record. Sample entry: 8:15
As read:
5:58
